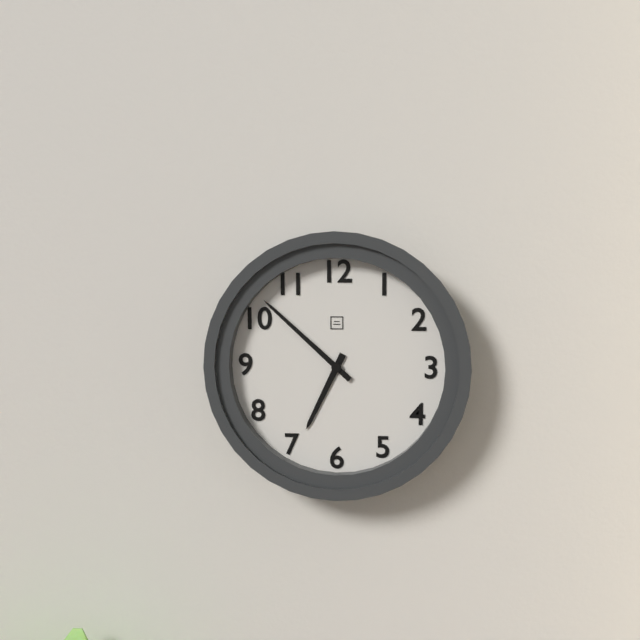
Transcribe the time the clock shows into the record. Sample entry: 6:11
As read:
6:52
